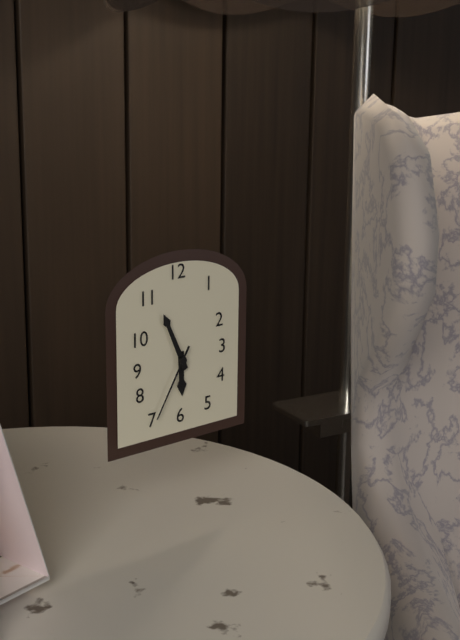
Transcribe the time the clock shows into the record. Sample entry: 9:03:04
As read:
5:56:35
